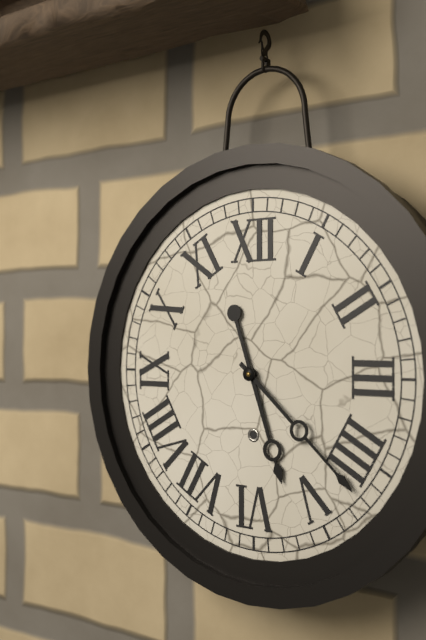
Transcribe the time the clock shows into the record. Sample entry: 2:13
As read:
5:22
